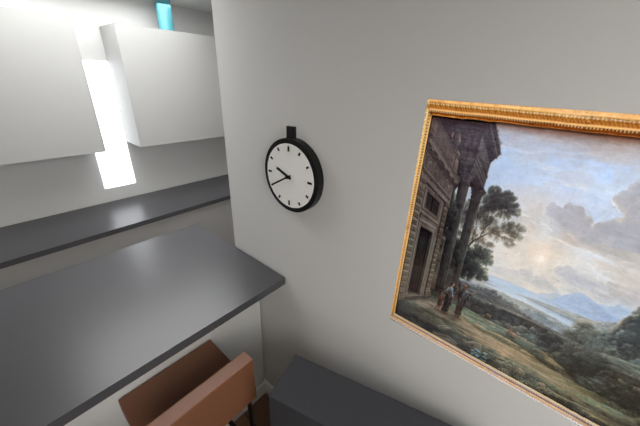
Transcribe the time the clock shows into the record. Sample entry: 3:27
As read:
9:40
